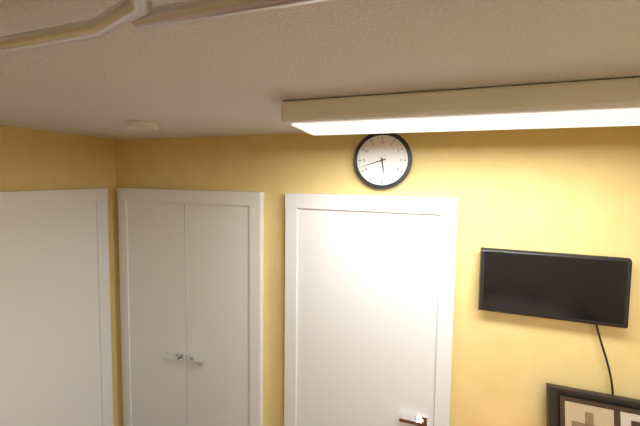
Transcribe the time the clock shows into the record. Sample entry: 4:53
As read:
5:42
